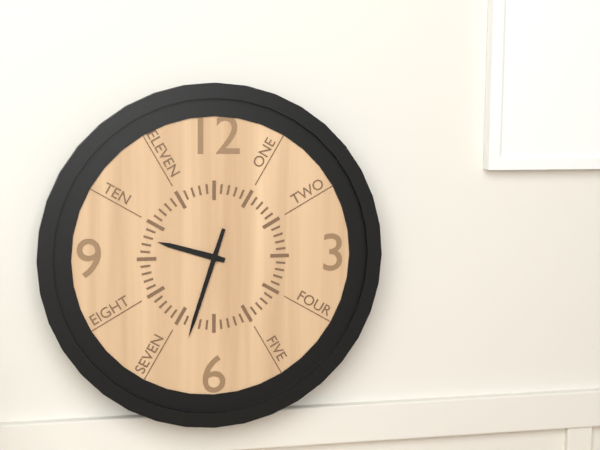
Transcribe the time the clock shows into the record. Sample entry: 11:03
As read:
9:33
